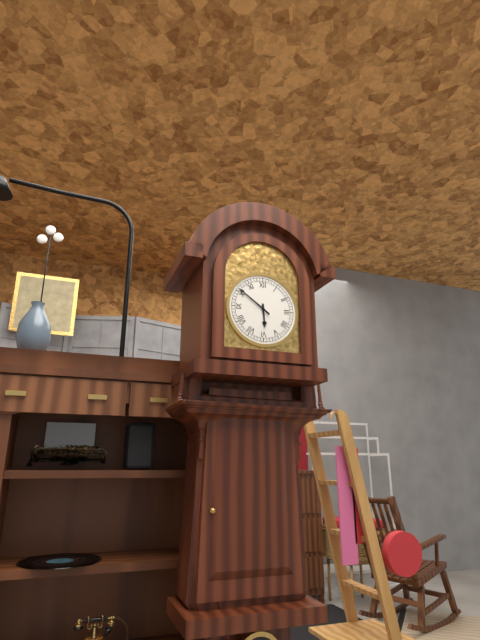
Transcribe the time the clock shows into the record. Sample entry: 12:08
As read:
5:51
